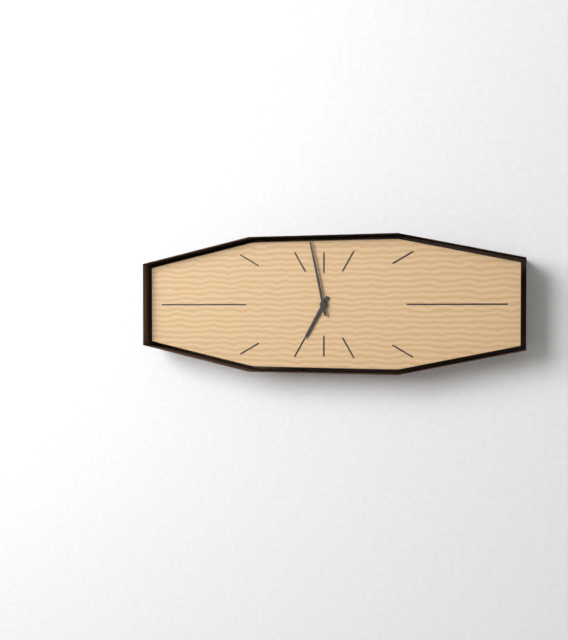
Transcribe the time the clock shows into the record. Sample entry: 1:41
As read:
6:58
